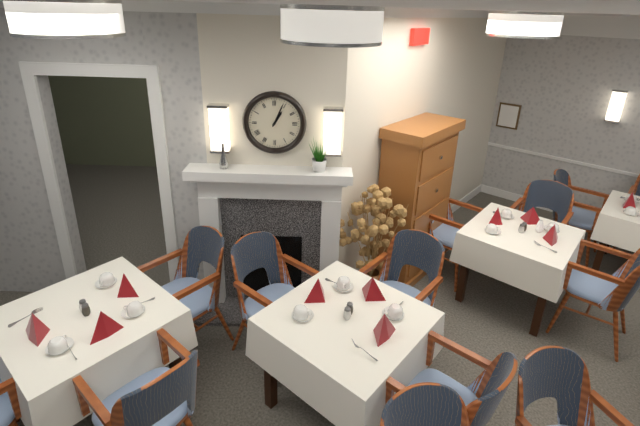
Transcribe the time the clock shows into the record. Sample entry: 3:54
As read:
1:04
